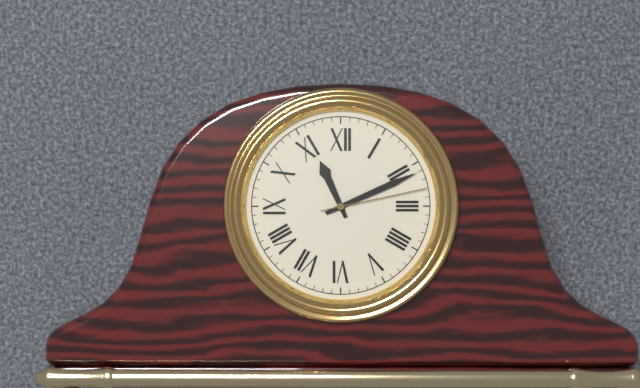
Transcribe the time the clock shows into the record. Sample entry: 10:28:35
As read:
11:11:13
